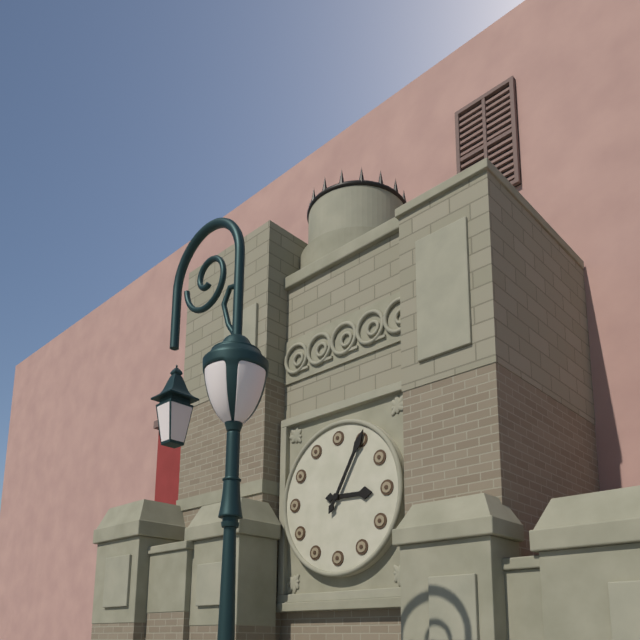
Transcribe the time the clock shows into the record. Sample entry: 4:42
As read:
3:05
